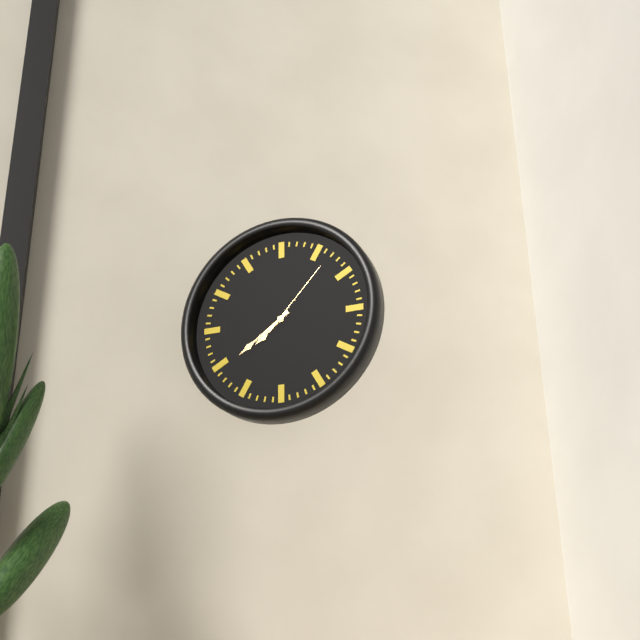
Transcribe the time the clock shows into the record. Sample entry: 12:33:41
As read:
7:39:07
